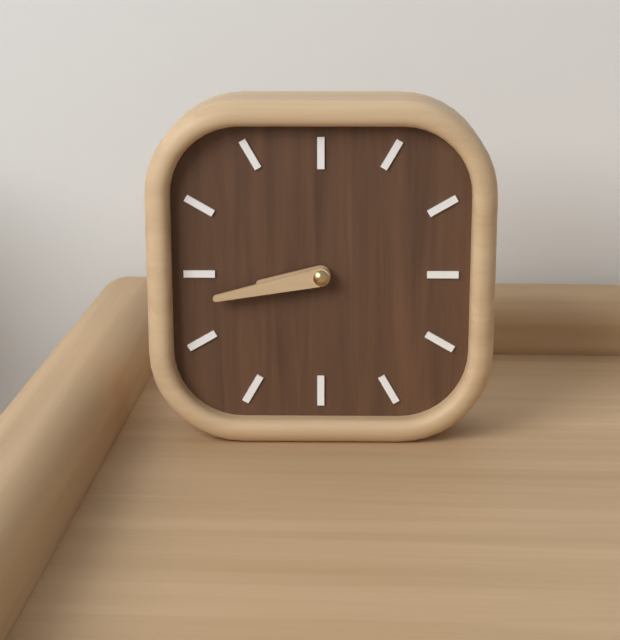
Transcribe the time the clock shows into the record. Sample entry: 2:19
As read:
8:43
